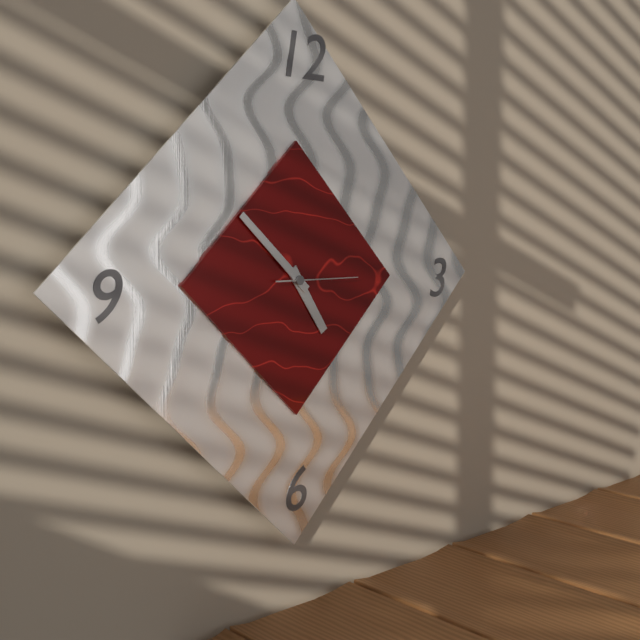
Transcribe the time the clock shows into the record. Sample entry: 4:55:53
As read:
4:52:15
